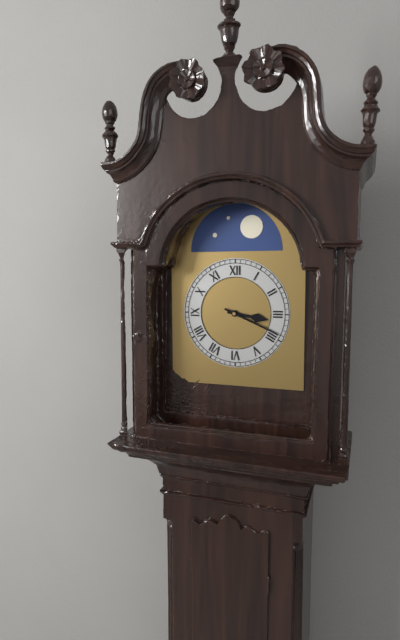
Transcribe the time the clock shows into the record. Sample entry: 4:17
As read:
3:19
